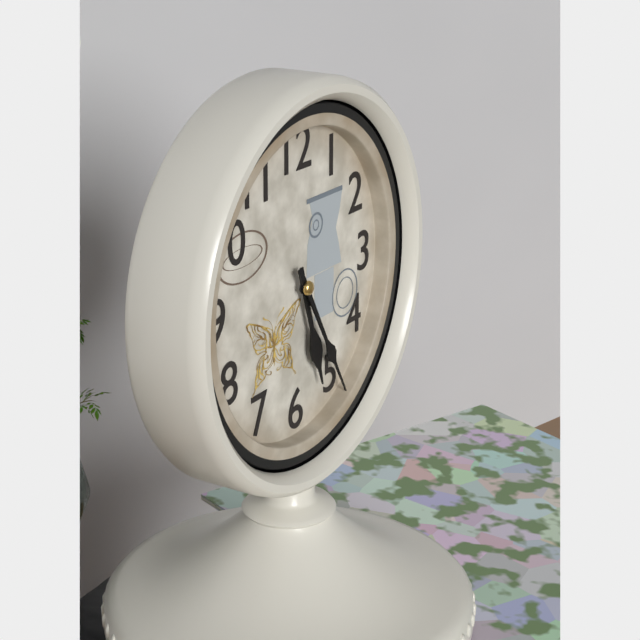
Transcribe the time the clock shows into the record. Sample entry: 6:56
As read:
5:25
